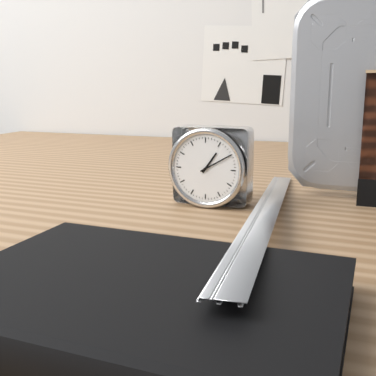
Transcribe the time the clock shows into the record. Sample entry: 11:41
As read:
1:10
